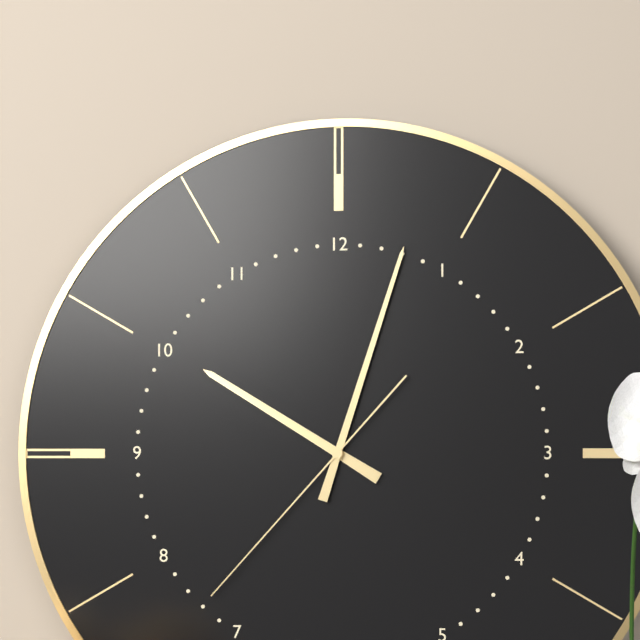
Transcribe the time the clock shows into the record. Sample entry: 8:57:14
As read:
10:03:37
